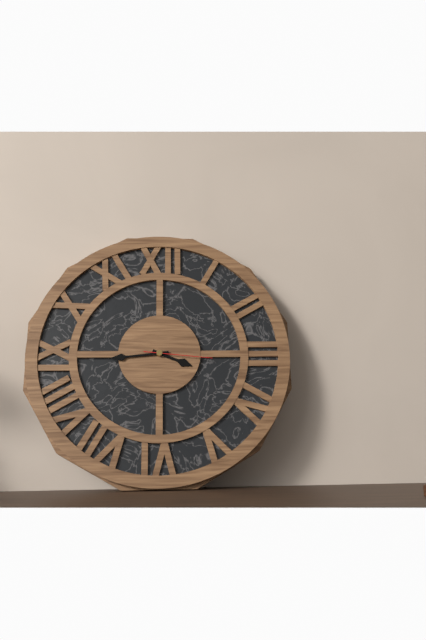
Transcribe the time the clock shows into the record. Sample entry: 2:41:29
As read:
3:44:16
